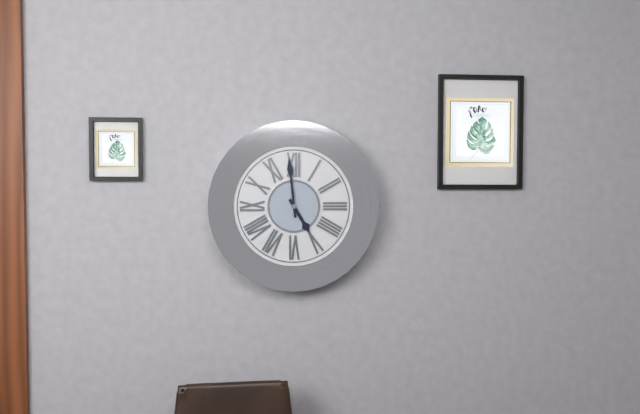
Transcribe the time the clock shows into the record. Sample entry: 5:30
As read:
4:59
